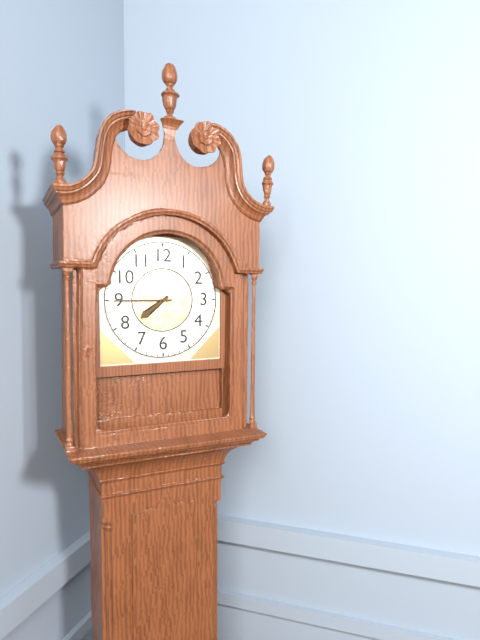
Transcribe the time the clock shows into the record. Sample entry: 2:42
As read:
7:45
